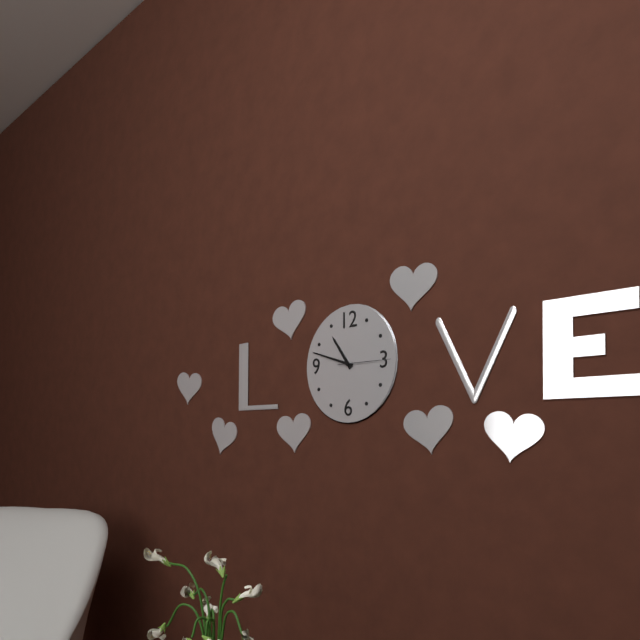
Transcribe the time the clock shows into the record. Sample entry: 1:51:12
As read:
10:48:15
